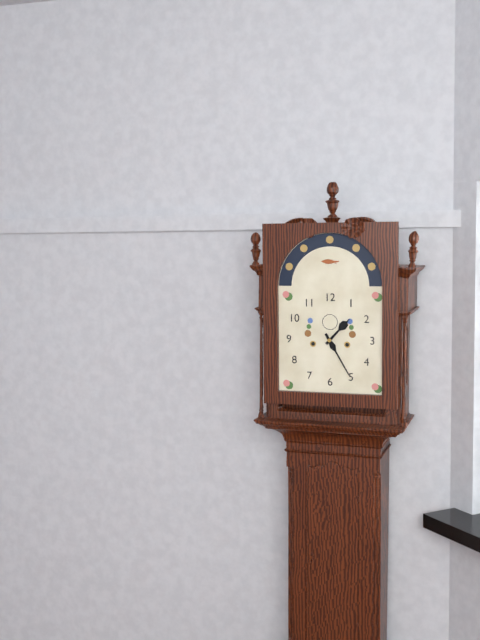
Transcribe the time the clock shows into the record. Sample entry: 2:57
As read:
1:25
